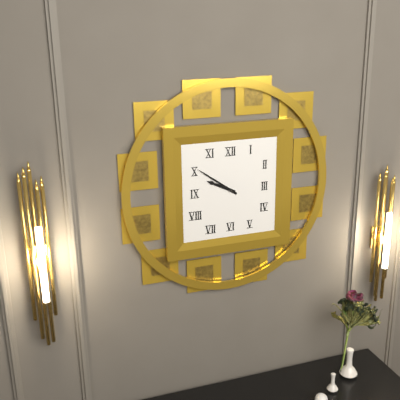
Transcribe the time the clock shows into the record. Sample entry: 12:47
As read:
9:51
